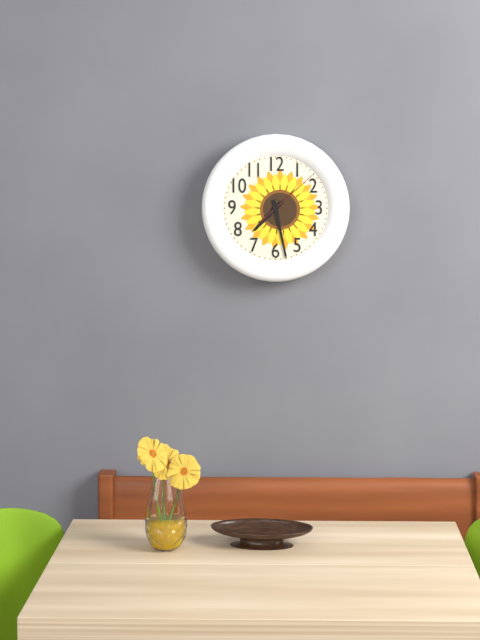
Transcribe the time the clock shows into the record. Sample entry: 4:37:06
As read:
7:28:08
